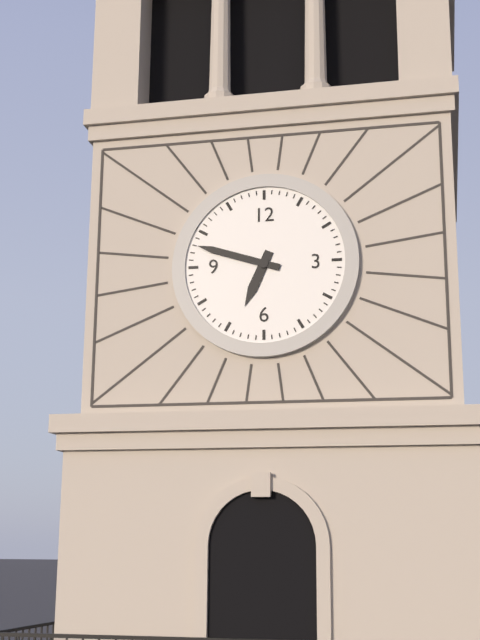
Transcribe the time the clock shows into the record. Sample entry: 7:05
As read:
6:48
